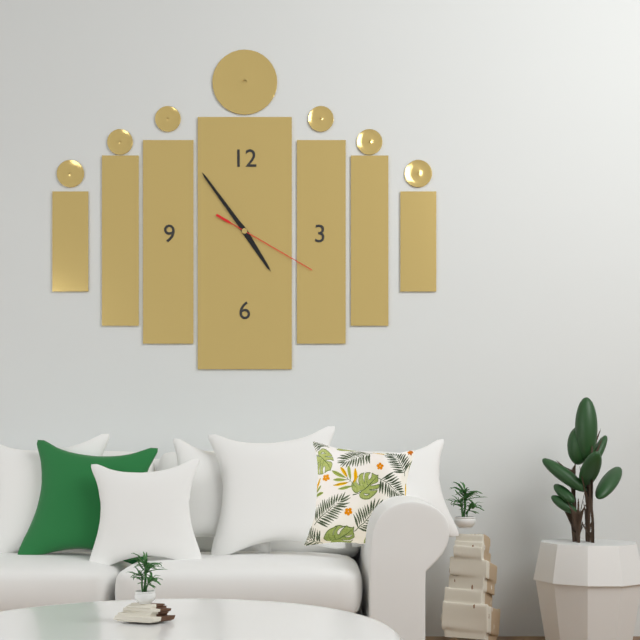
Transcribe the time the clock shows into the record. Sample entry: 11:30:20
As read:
4:54:20
